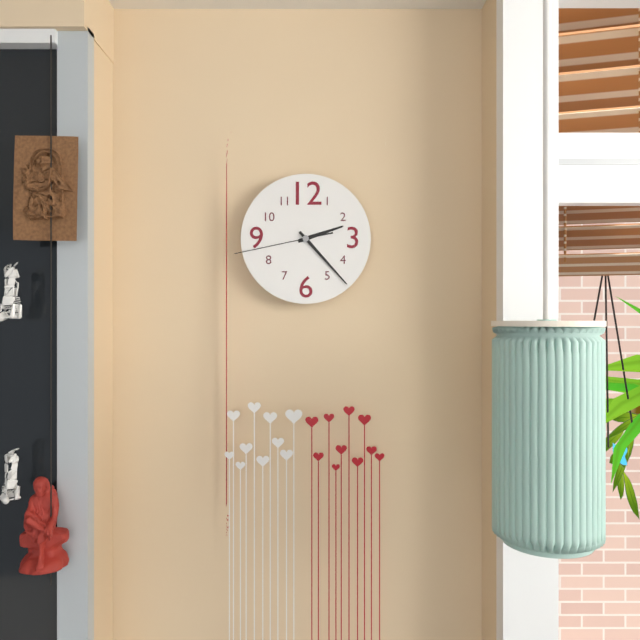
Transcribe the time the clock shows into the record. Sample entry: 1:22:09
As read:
2:23:43
